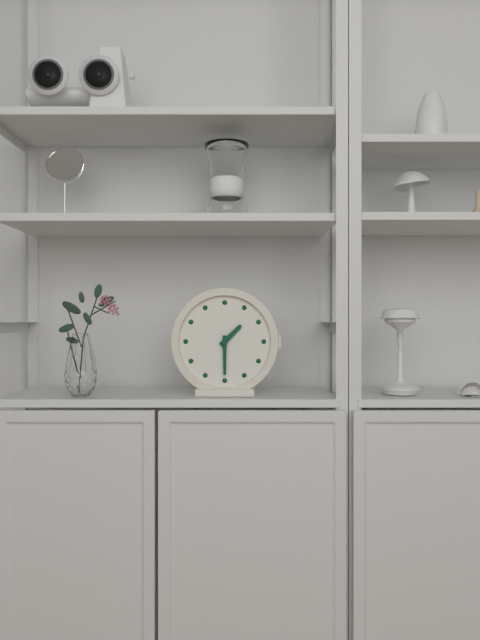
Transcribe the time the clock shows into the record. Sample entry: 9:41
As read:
1:30
